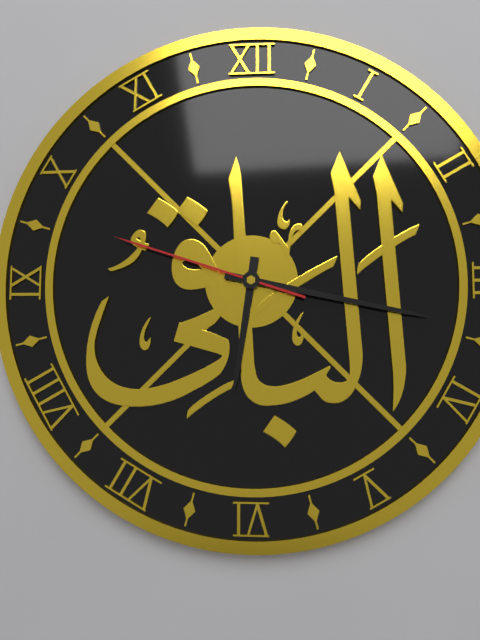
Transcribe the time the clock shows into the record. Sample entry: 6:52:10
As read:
6:17:48
